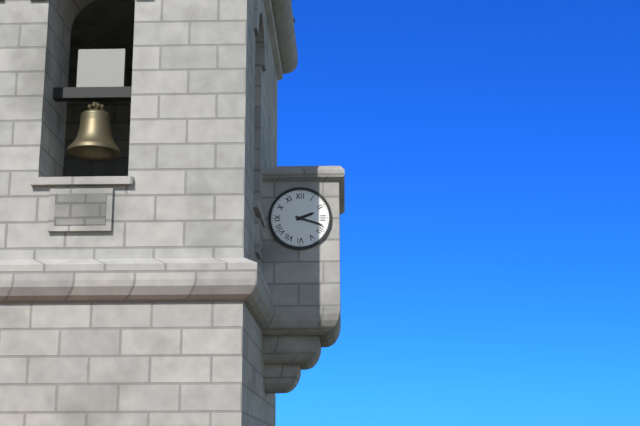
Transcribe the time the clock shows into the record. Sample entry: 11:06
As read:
2:18
